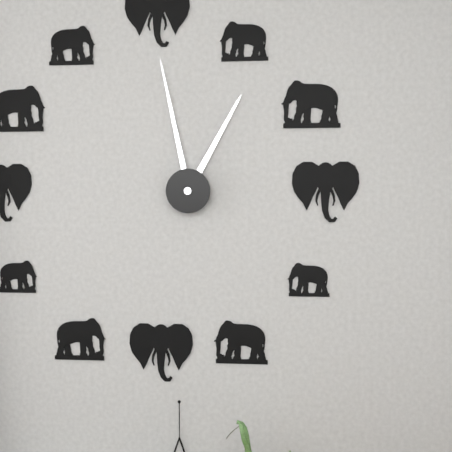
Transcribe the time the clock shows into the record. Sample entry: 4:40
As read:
12:58
